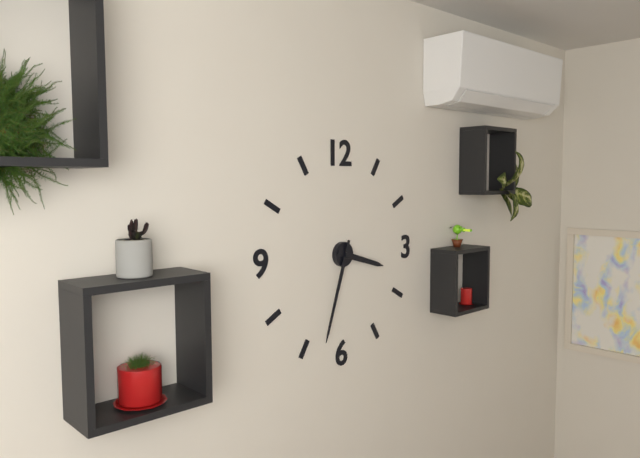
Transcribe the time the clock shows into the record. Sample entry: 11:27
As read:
3:33
